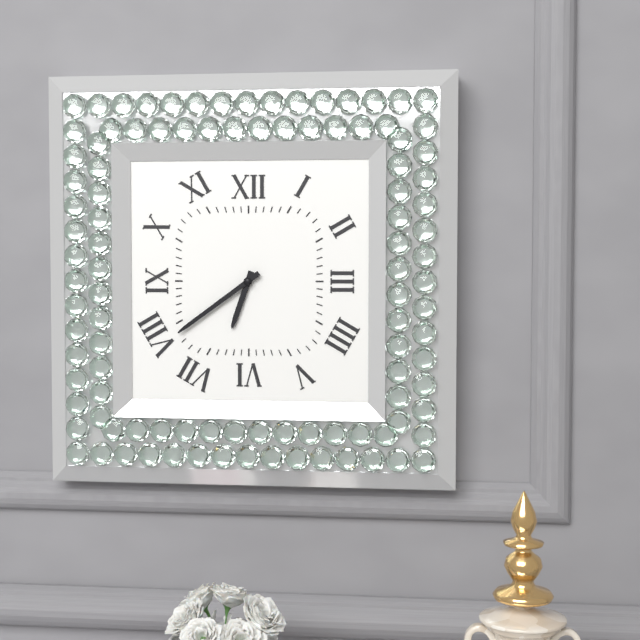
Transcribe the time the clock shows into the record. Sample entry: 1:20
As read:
6:39
